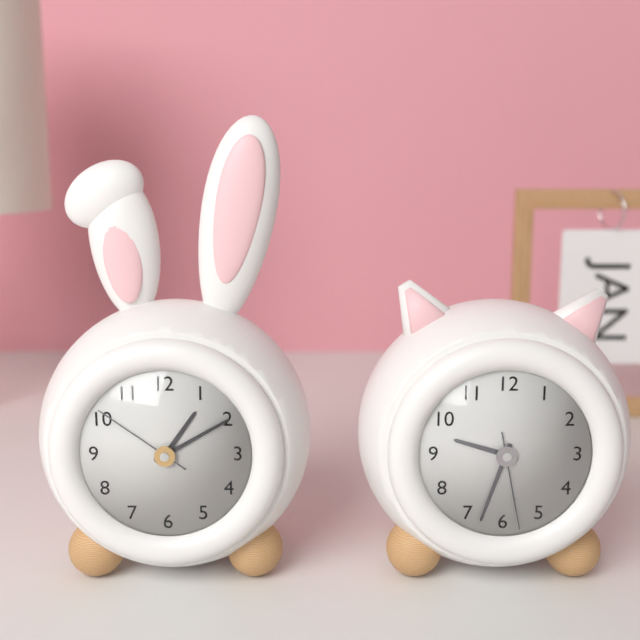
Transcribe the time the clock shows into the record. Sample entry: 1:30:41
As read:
1:10:51
